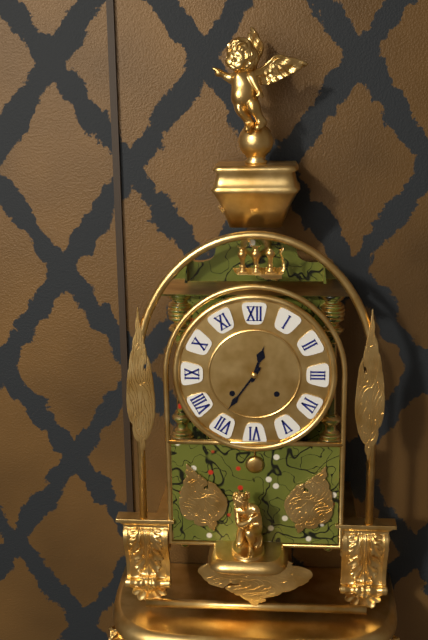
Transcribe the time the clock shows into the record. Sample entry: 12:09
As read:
12:36
